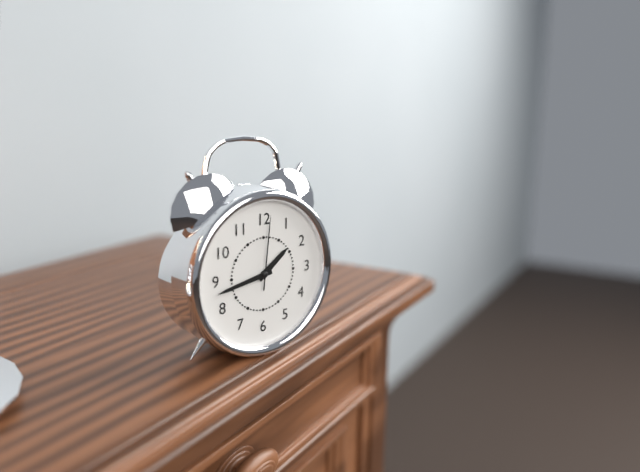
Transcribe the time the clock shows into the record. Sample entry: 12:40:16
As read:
1:43:01
